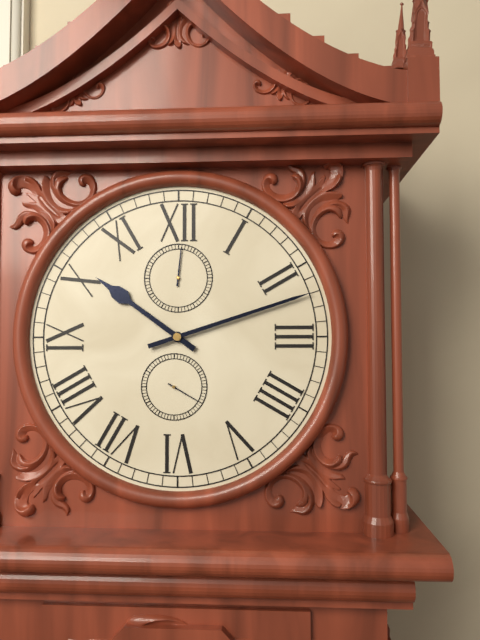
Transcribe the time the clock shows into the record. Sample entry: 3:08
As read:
10:12
